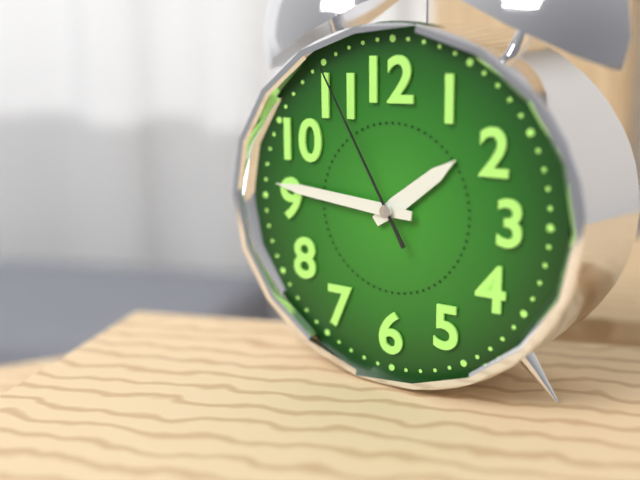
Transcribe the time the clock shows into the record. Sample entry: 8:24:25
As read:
1:46:55
